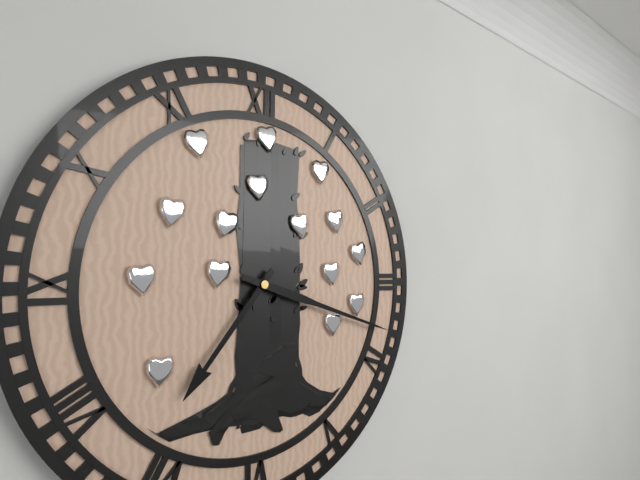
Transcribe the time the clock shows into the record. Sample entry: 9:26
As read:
7:18
